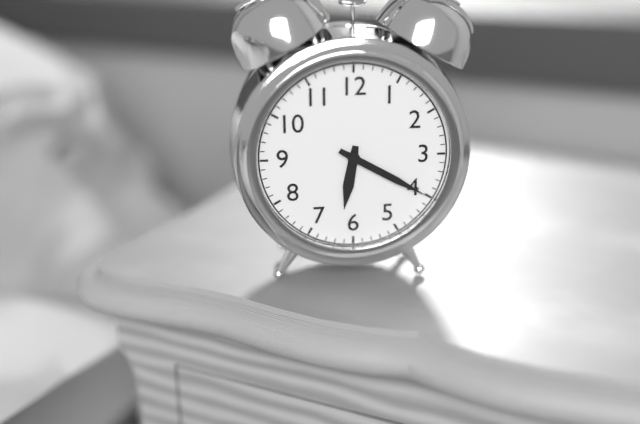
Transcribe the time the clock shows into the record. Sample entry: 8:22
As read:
6:20
